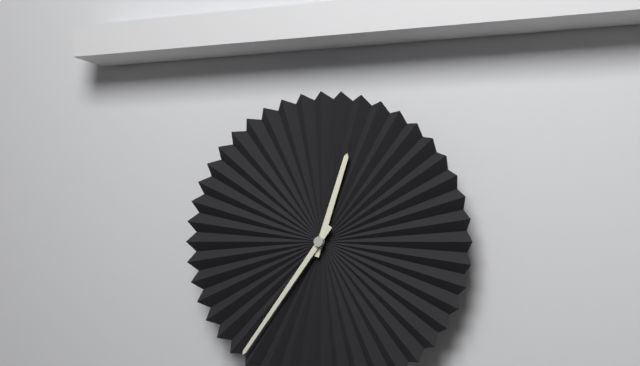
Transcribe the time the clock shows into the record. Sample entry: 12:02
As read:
12:36
